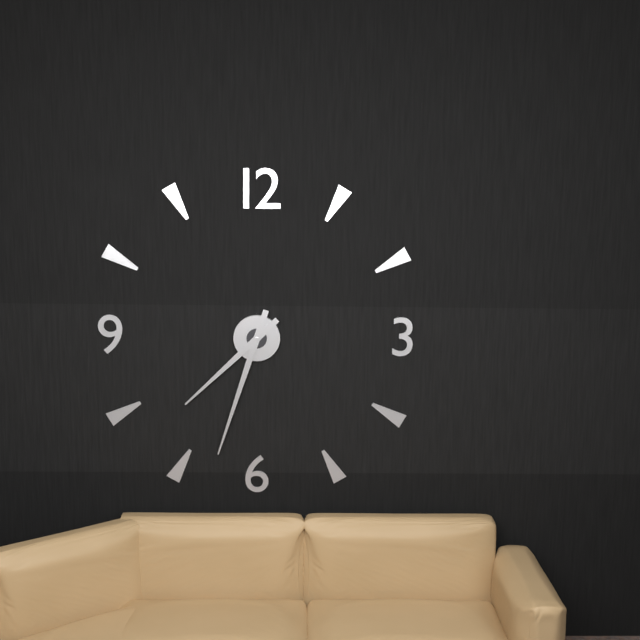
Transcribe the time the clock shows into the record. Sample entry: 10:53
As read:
7:33
